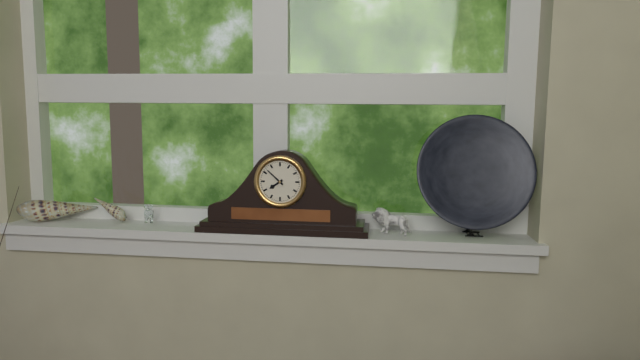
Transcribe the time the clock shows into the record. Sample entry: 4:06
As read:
7:52
